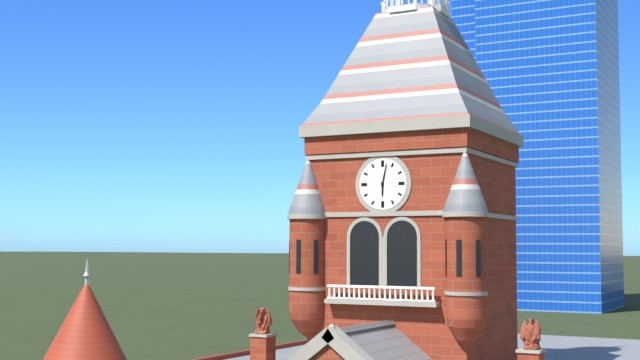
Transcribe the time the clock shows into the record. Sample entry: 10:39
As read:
6:02
